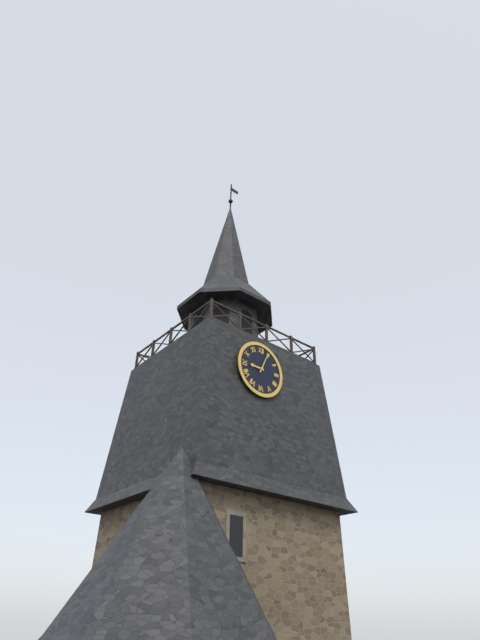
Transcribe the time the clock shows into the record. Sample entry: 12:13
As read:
9:04
